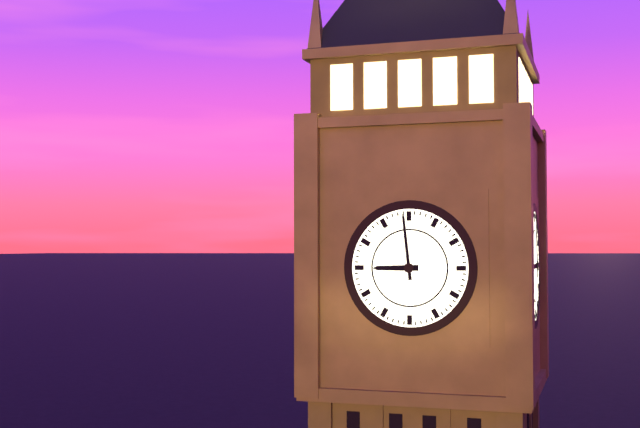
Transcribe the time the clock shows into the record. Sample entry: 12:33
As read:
8:59
